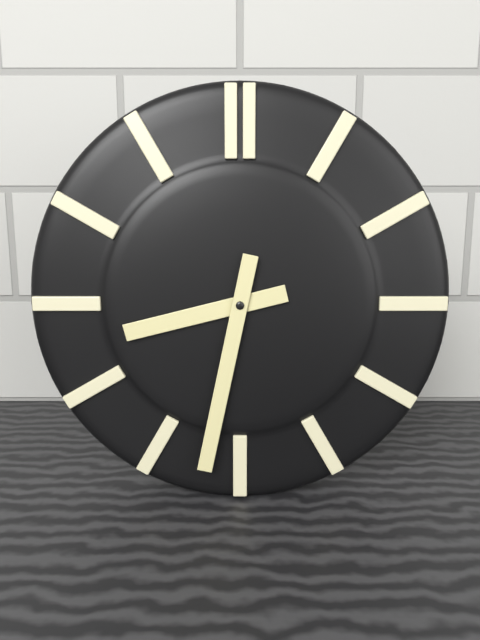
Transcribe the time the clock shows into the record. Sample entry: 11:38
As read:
8:32
